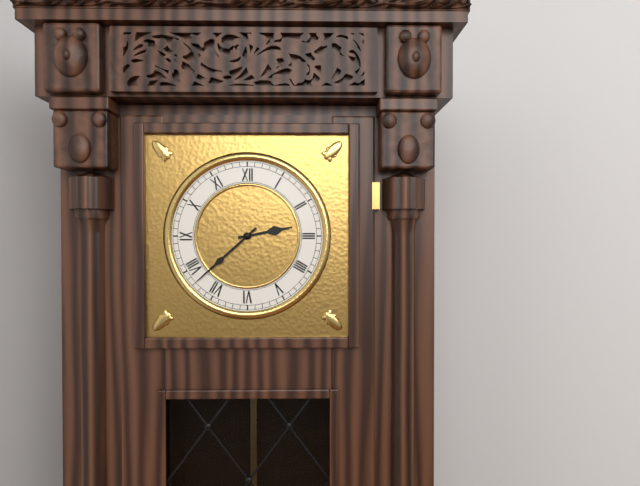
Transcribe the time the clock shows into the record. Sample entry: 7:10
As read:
2:38
